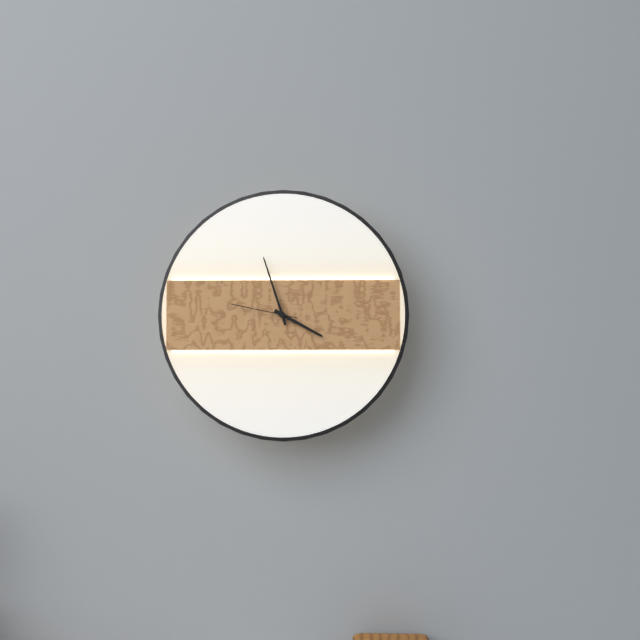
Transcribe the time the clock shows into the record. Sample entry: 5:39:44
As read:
3:57:47
